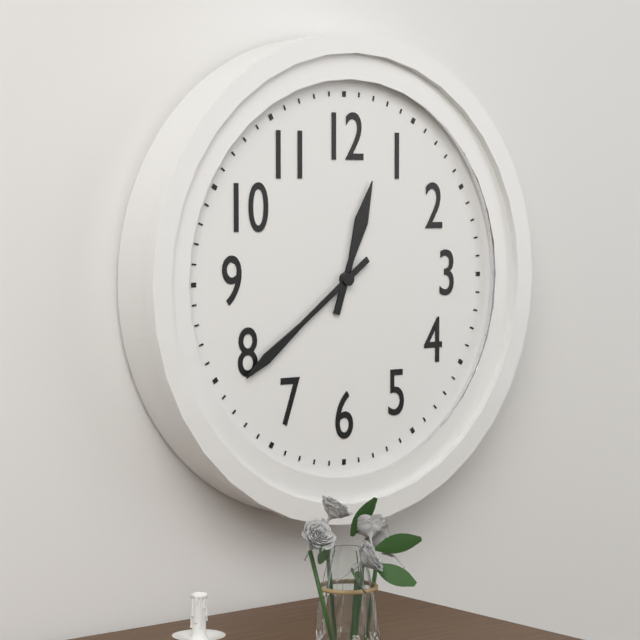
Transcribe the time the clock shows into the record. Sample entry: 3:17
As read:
12:39
